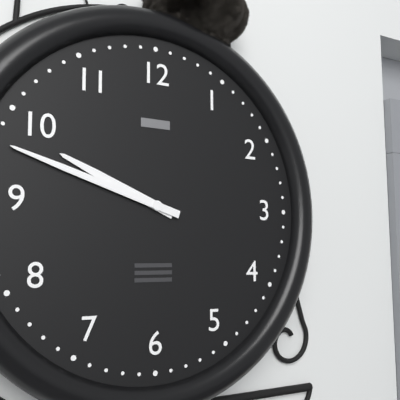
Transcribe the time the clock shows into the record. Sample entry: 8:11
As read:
9:48
